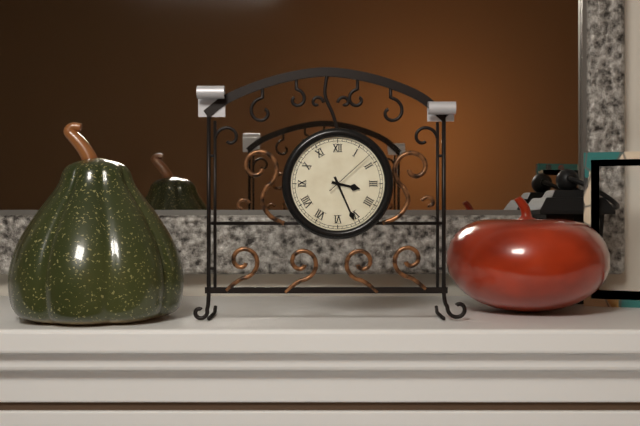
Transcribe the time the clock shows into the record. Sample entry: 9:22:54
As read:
3:26:08
